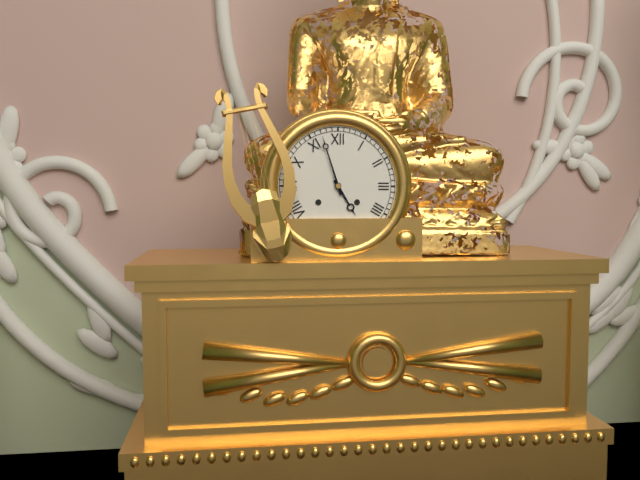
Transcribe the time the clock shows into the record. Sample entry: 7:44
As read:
4:57
